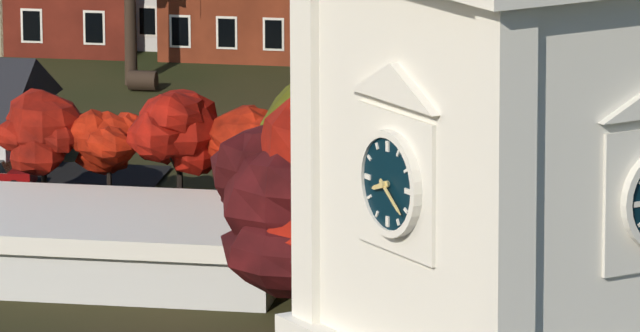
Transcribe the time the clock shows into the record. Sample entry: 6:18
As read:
8:21
